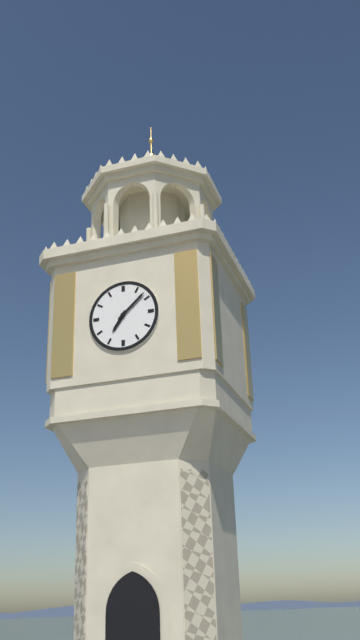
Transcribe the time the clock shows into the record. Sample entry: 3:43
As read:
7:08
